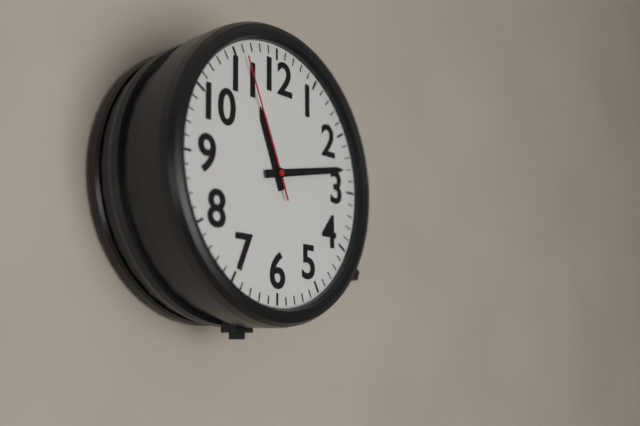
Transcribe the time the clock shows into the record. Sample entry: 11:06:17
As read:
11:13:56
